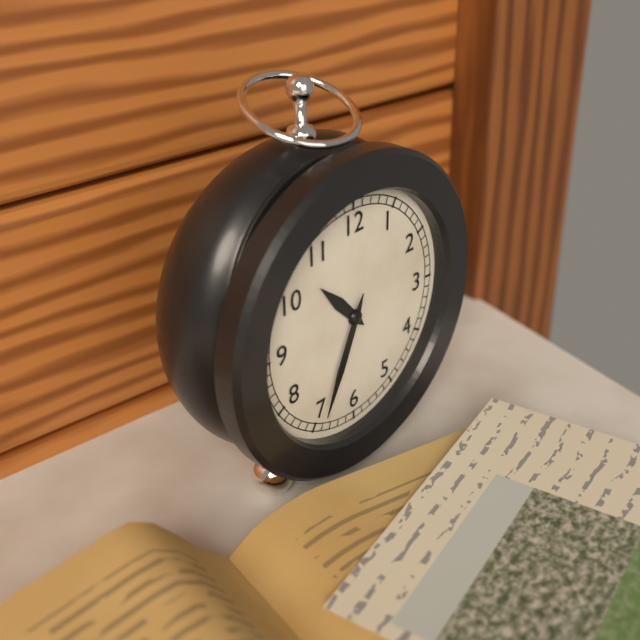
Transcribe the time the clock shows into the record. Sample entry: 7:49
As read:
10:34
